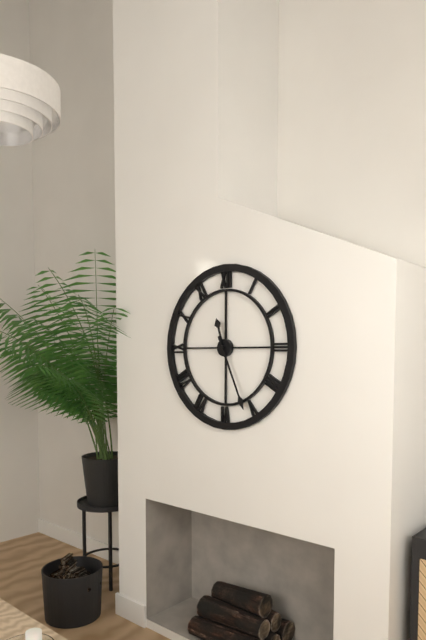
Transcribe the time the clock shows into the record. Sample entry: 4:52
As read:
11:26
